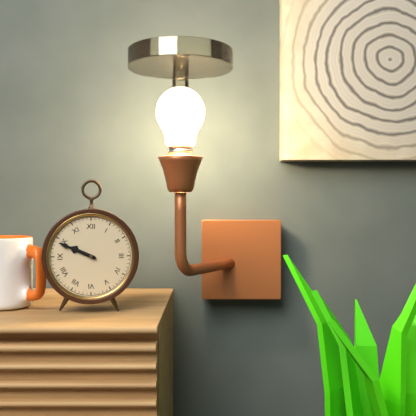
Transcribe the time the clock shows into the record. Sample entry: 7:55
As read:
9:49
